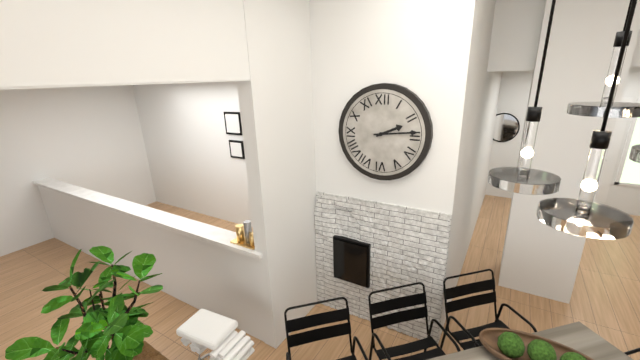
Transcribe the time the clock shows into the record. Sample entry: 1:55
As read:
2:14
